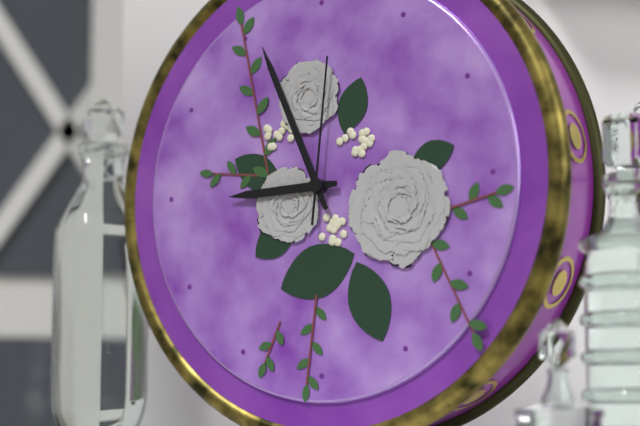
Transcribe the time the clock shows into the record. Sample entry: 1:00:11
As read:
8:56:01
